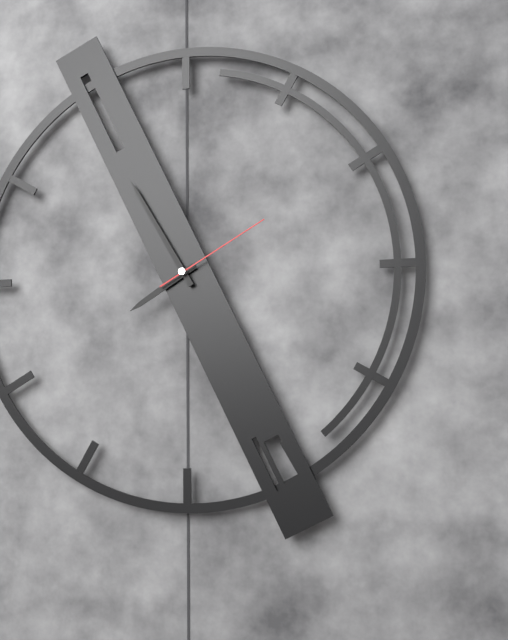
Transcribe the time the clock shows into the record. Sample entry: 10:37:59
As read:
7:55:10
